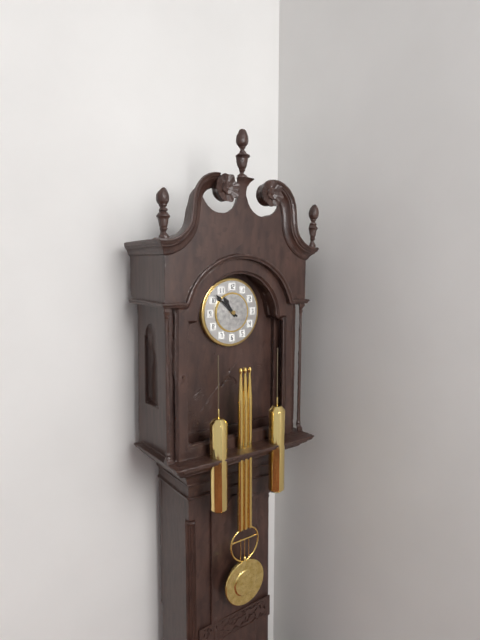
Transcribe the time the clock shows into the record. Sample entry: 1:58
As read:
10:52
